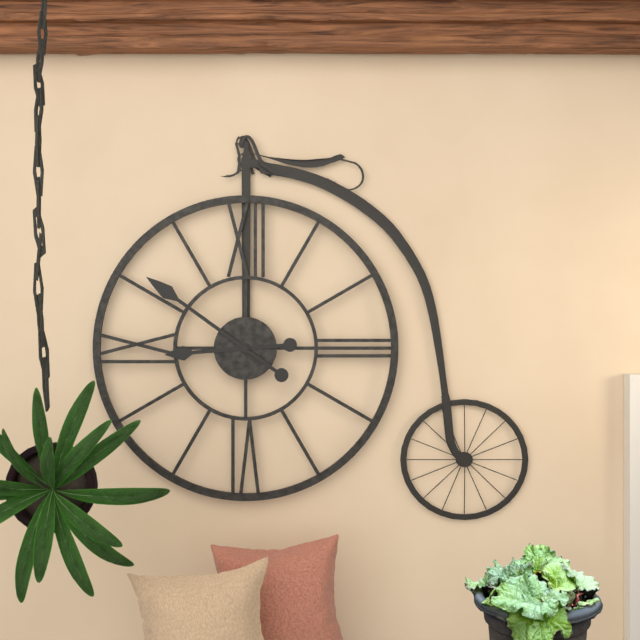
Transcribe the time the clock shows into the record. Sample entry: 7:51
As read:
8:51
